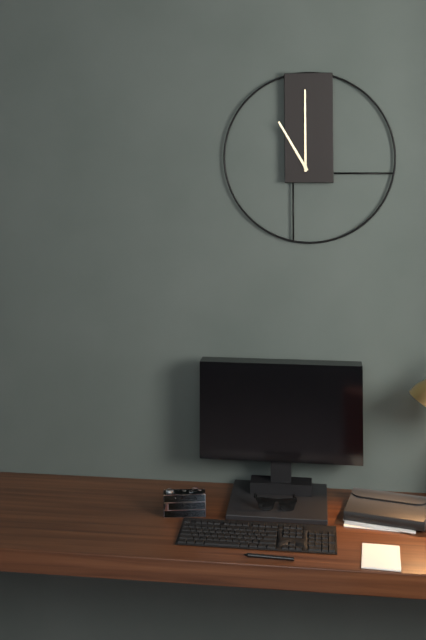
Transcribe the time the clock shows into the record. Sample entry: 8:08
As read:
11:00
